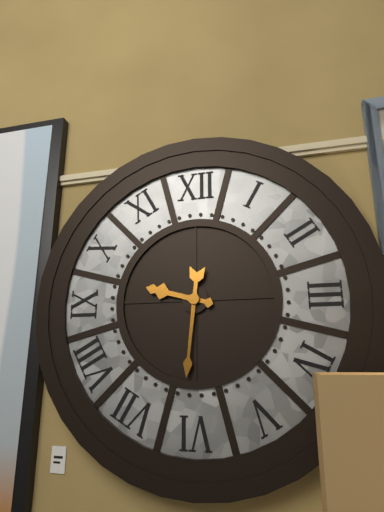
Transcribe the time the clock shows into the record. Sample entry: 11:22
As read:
9:31
